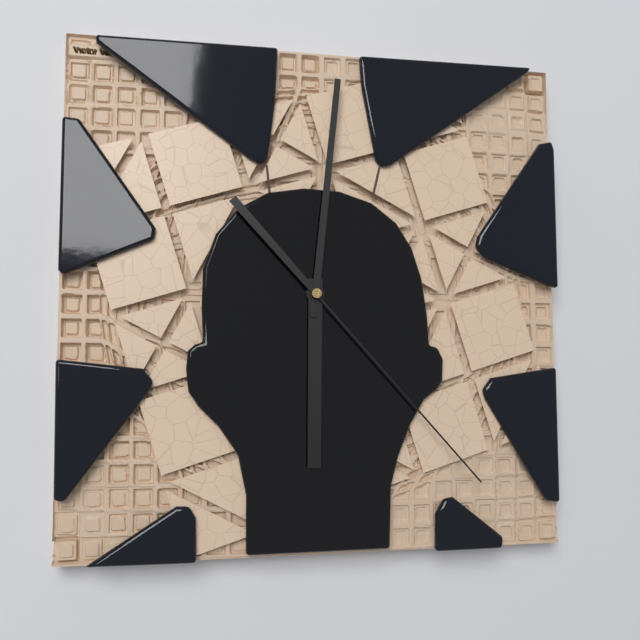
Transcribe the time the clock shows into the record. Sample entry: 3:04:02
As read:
6:01:23
